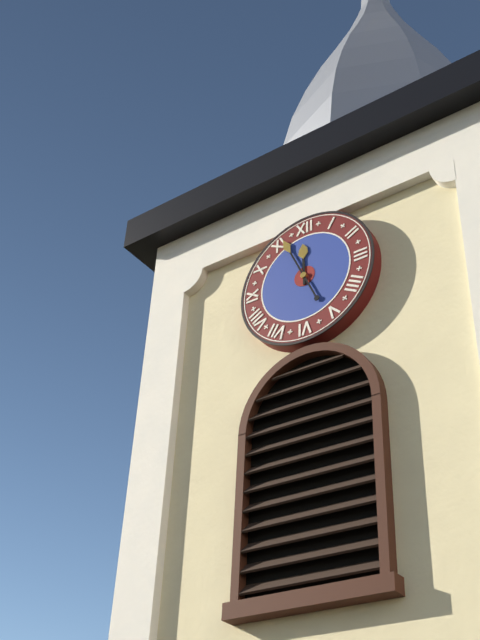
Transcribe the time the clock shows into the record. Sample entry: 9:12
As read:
11:56
